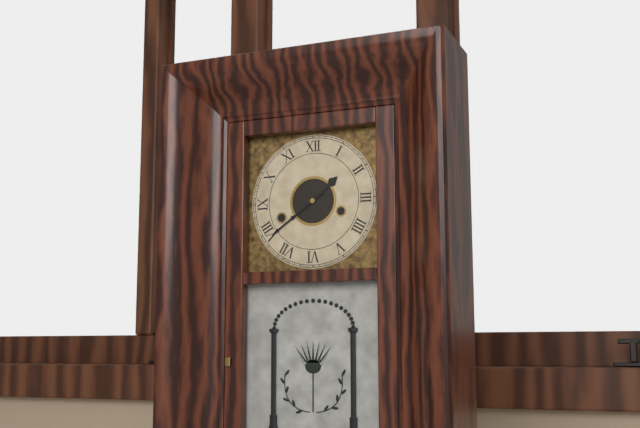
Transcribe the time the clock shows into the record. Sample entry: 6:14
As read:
1:39
